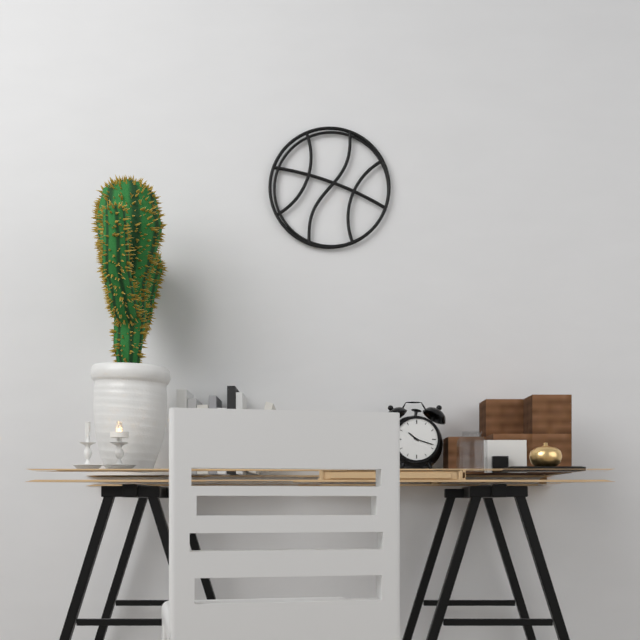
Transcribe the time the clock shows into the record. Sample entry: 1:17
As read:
10:18
